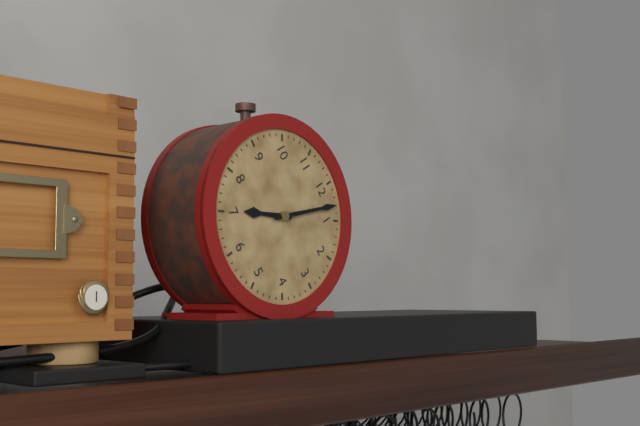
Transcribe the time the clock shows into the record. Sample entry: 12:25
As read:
7:03
